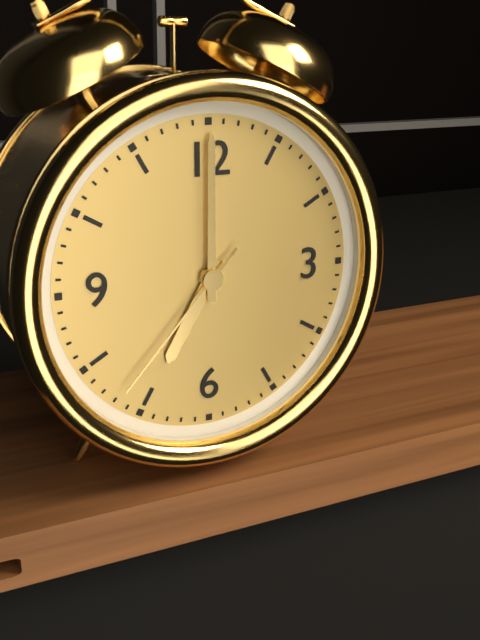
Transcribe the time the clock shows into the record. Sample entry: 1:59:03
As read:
7:00:37
